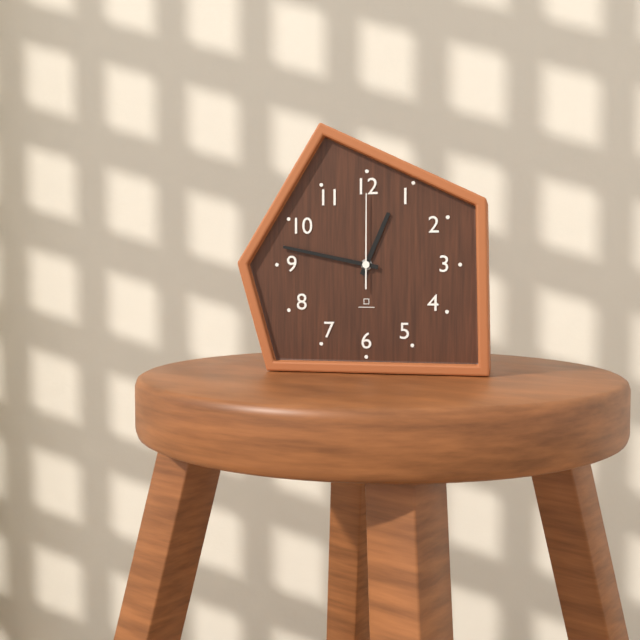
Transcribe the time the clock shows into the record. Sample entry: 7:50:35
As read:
12:47:00
